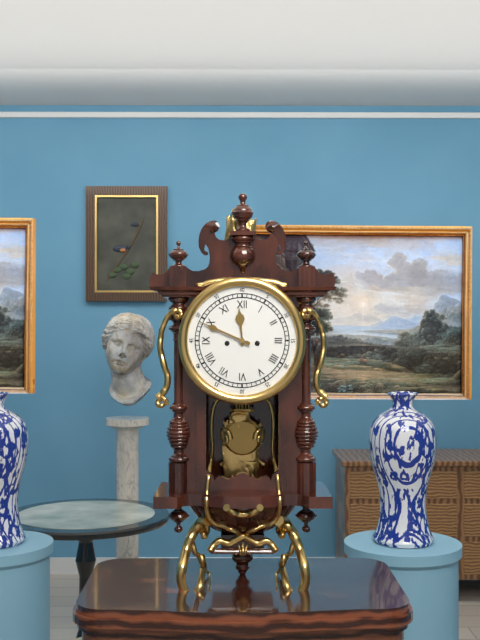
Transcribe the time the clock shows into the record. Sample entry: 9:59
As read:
11:49
